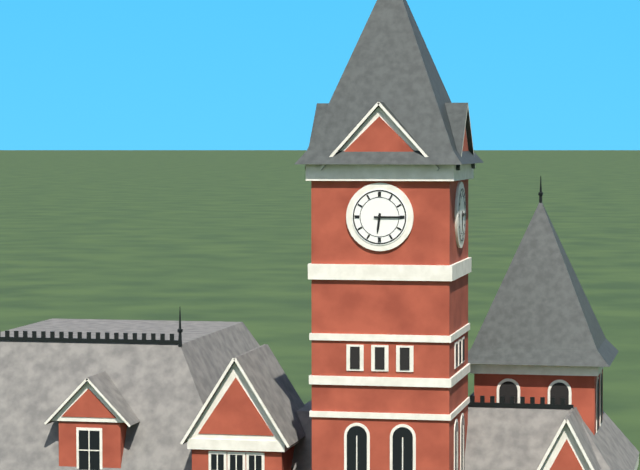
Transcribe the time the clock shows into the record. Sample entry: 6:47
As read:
6:15
